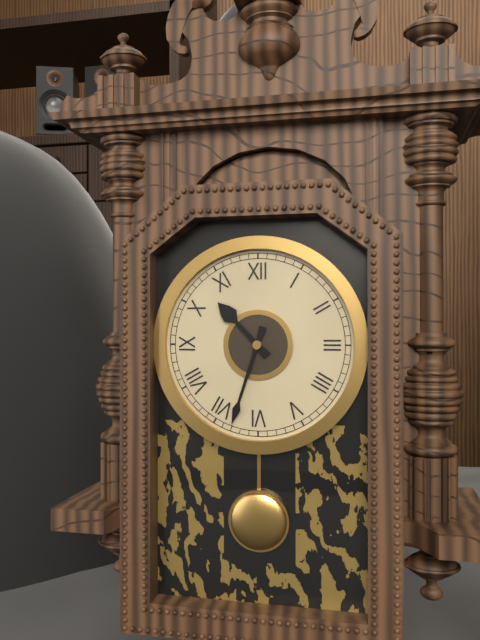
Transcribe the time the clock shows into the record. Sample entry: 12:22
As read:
10:33
